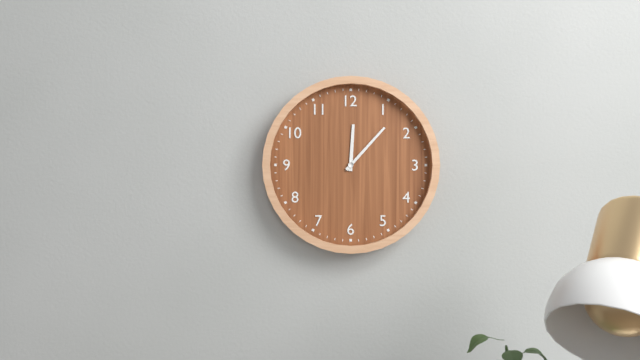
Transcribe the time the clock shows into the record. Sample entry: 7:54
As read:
12:07
